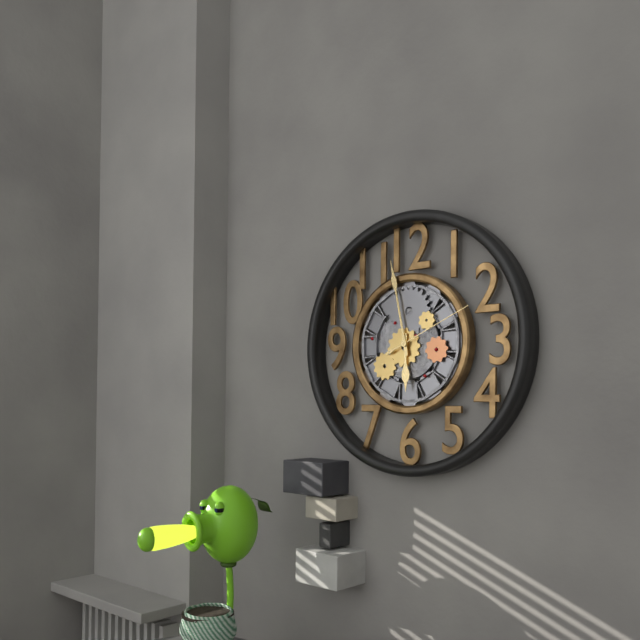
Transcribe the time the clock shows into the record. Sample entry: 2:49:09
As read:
5:58:11
